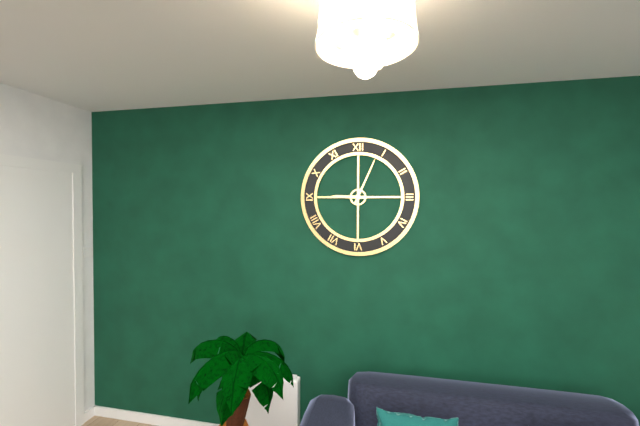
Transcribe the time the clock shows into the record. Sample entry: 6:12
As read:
9:04
